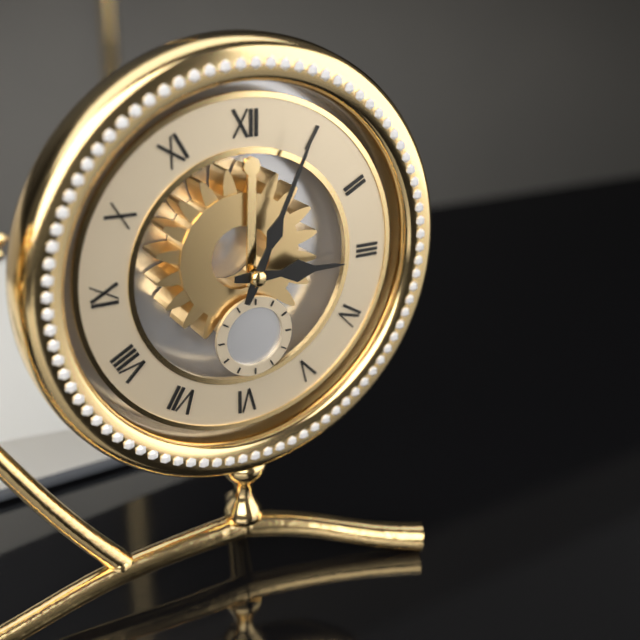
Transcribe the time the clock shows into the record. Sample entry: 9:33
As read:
3:04
